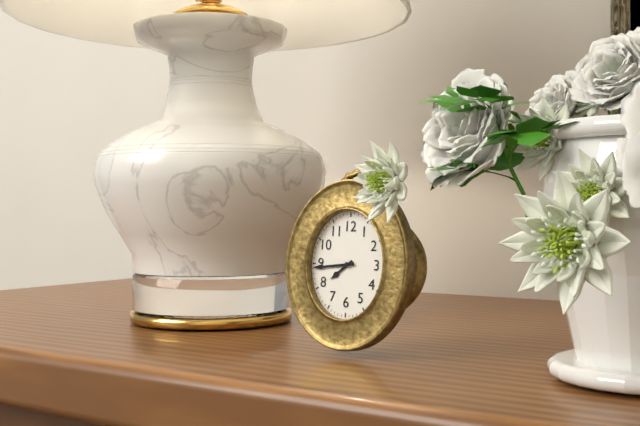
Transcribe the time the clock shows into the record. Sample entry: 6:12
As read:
7:44
